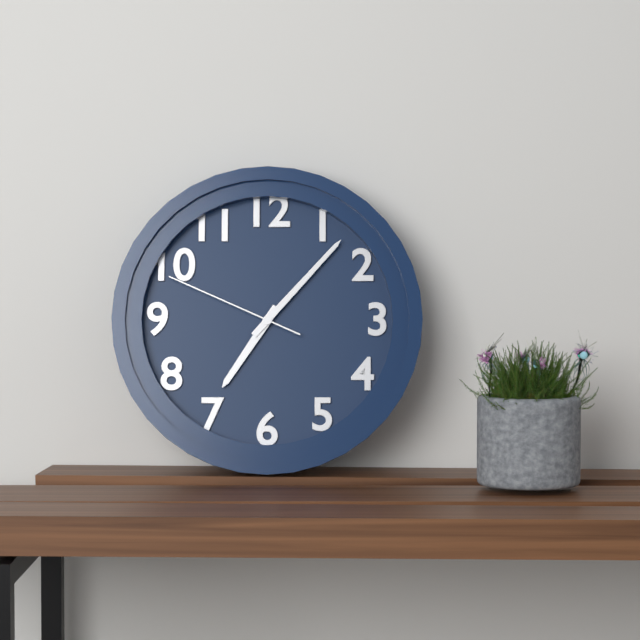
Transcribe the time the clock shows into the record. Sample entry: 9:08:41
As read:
7:07:49
